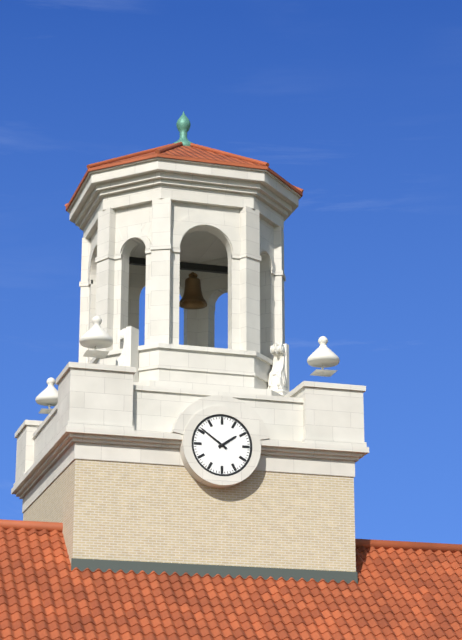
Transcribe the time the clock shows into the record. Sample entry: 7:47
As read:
1:51
